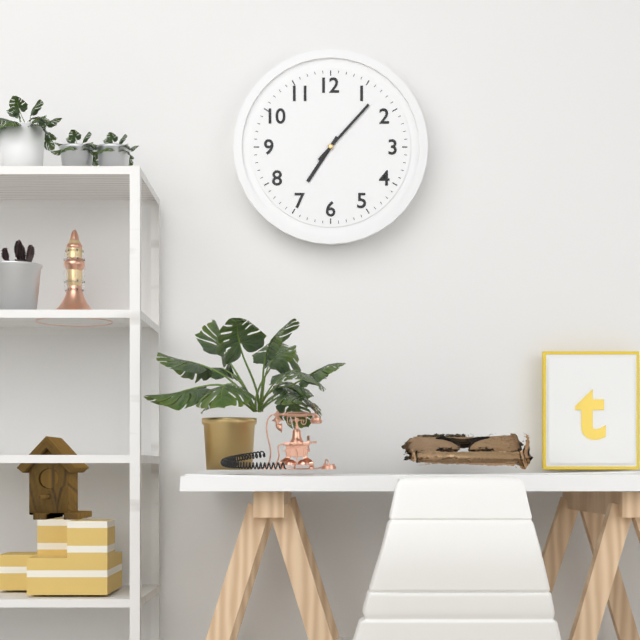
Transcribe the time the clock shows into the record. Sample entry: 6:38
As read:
7:07
